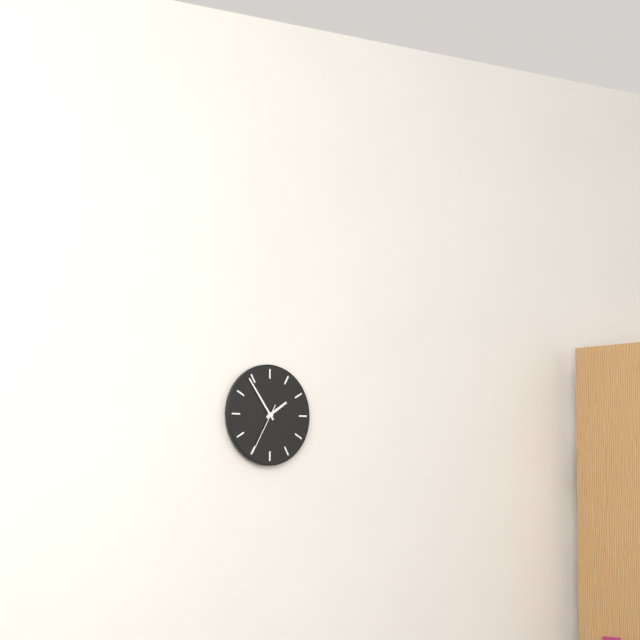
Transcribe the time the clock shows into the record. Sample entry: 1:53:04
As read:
1:54:35
